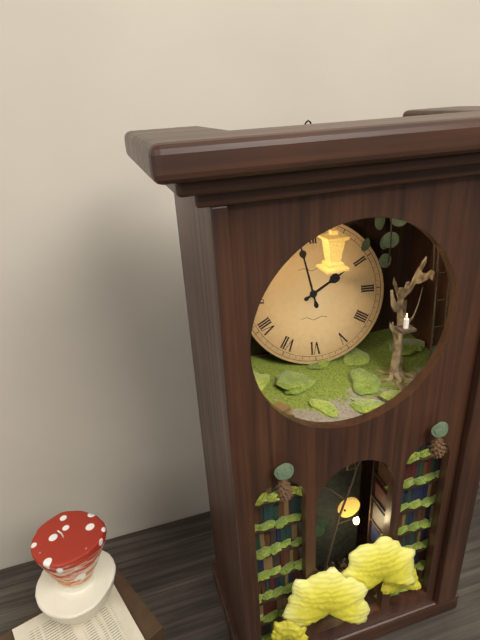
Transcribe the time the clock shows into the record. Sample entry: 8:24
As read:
1:58
